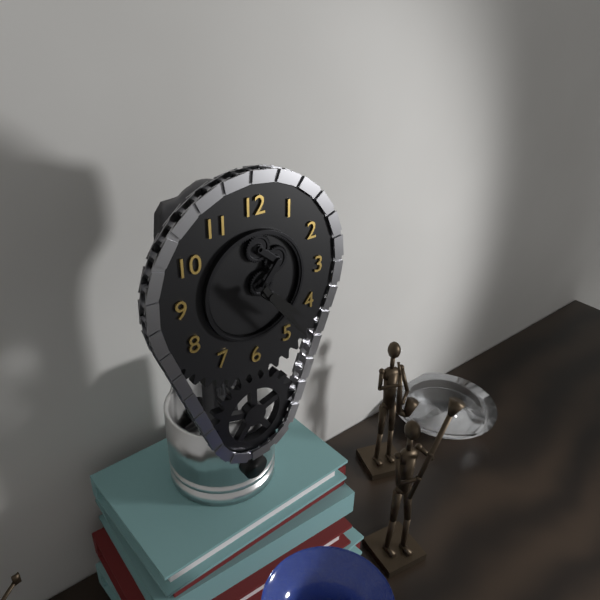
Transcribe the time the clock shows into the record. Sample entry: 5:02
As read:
4:24
